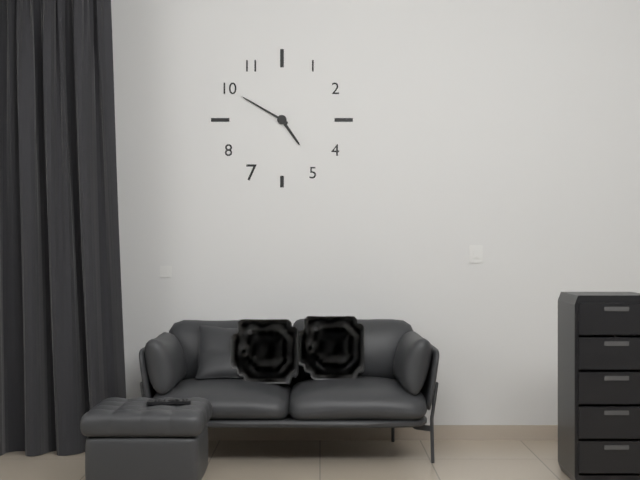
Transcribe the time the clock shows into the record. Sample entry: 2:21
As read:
4:50
